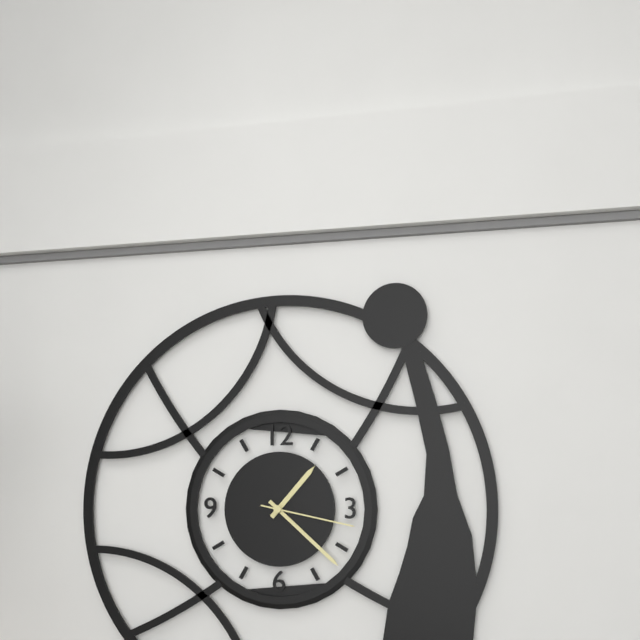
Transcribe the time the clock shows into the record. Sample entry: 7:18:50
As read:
1:22:17
